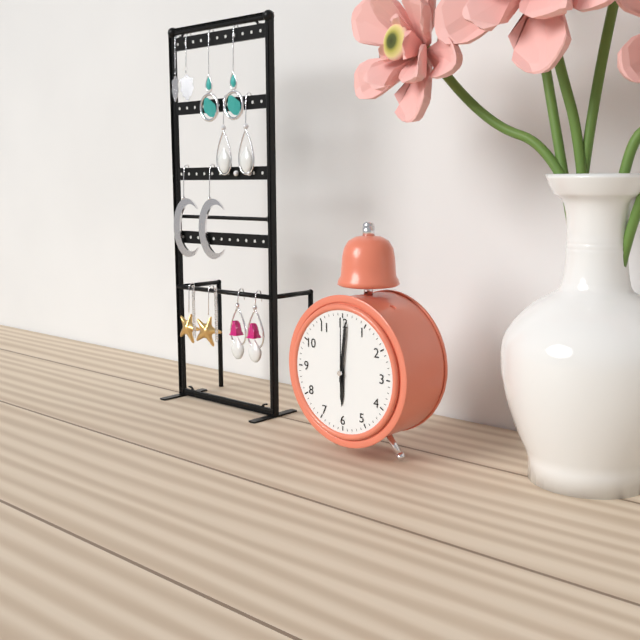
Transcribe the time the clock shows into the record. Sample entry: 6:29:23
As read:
6:01:00
